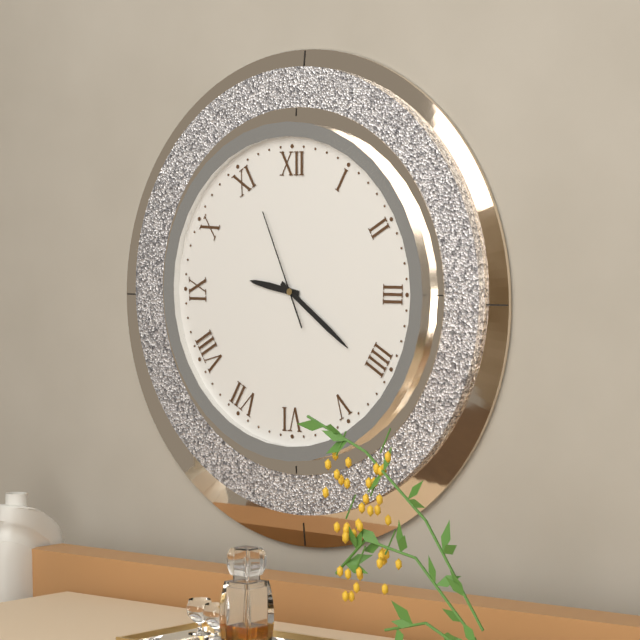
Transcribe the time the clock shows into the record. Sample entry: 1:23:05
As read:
9:21:56
